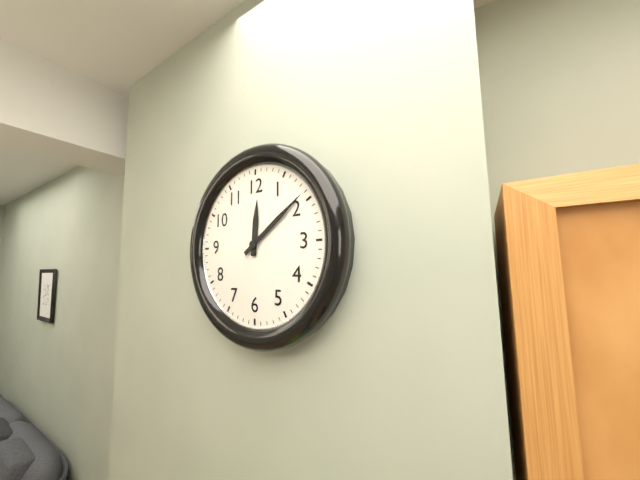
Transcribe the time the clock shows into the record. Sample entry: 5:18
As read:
12:09
